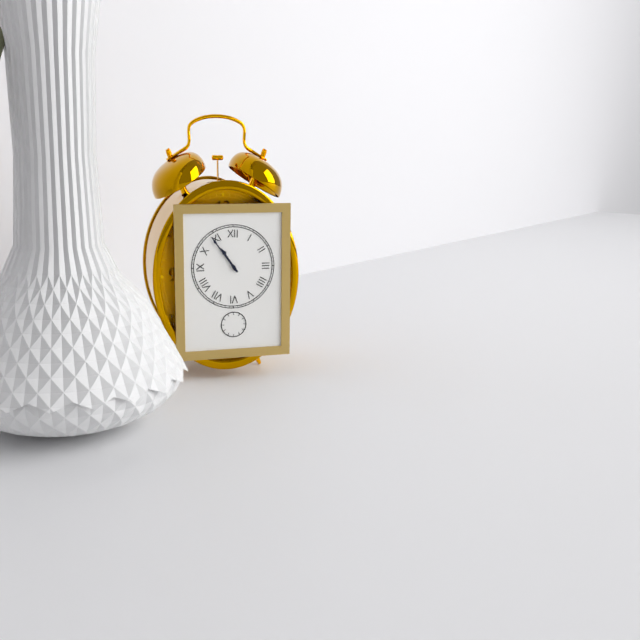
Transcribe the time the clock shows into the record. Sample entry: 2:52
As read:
10:54
